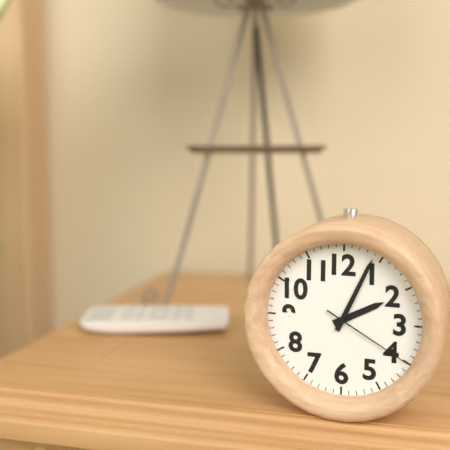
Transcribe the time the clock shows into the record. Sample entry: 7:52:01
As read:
2:04:20
